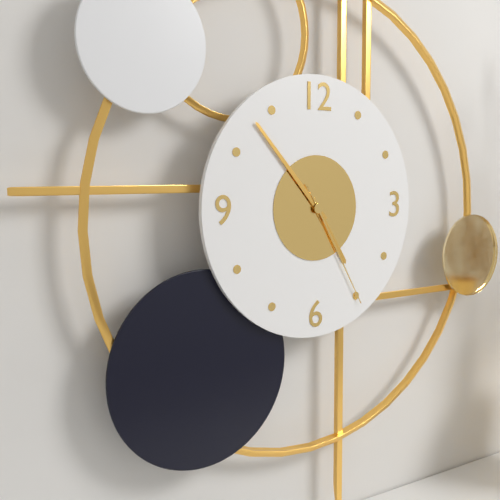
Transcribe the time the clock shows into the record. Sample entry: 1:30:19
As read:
4:53:25
